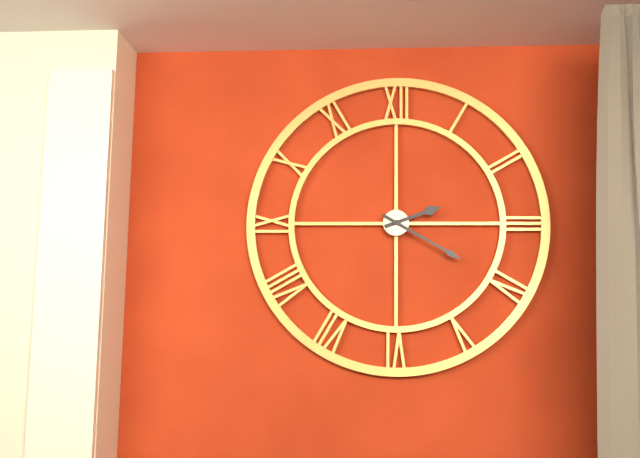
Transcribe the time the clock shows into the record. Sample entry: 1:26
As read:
2:20
